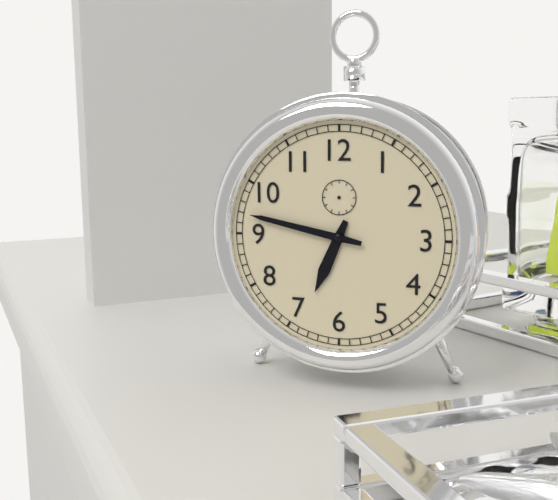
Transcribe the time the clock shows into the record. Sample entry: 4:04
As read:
6:47
